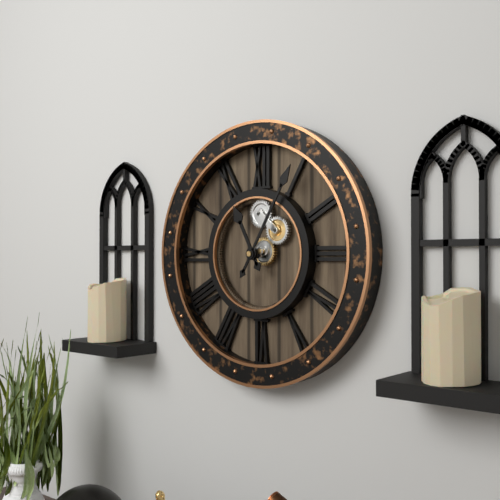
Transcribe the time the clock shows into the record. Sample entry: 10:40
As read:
11:05
